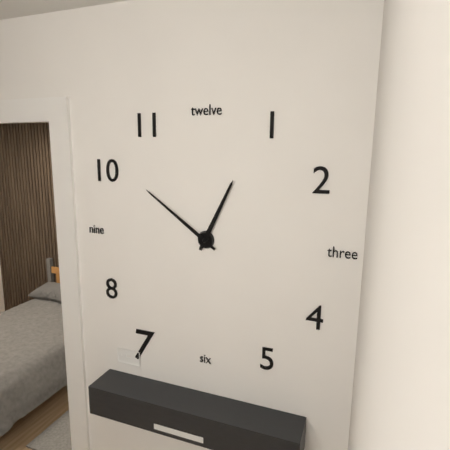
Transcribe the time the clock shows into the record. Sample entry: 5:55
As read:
12:51
